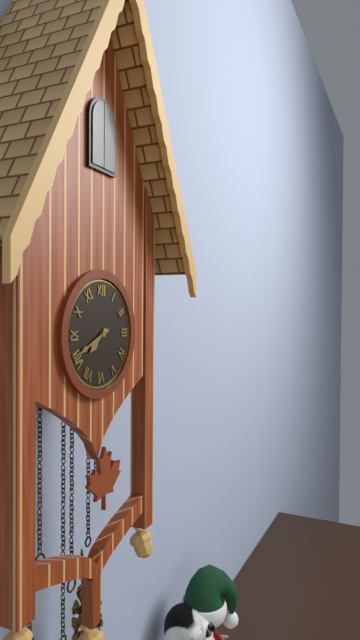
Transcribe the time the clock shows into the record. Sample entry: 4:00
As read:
7:41
